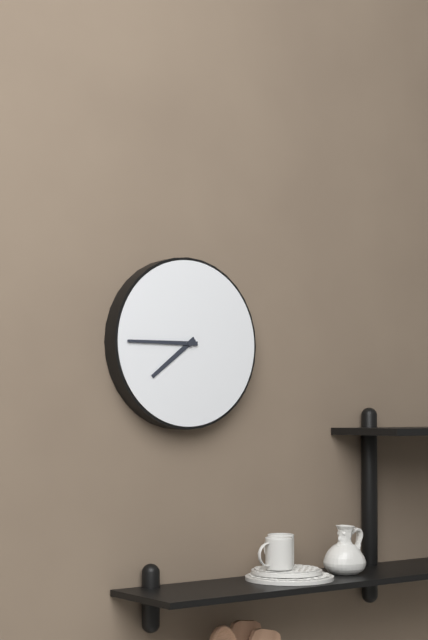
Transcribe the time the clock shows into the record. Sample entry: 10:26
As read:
7:45
